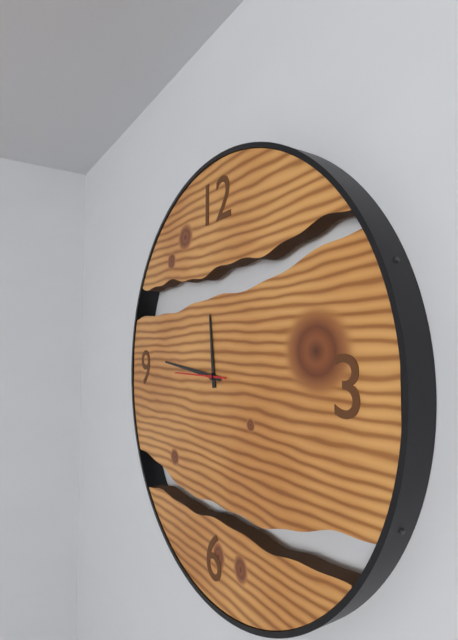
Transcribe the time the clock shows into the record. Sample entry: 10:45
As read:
11:46
